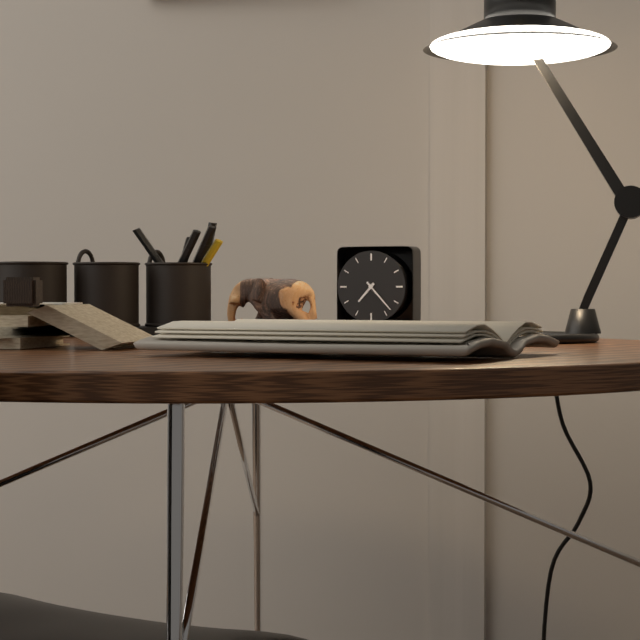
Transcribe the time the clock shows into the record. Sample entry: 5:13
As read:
7:23
